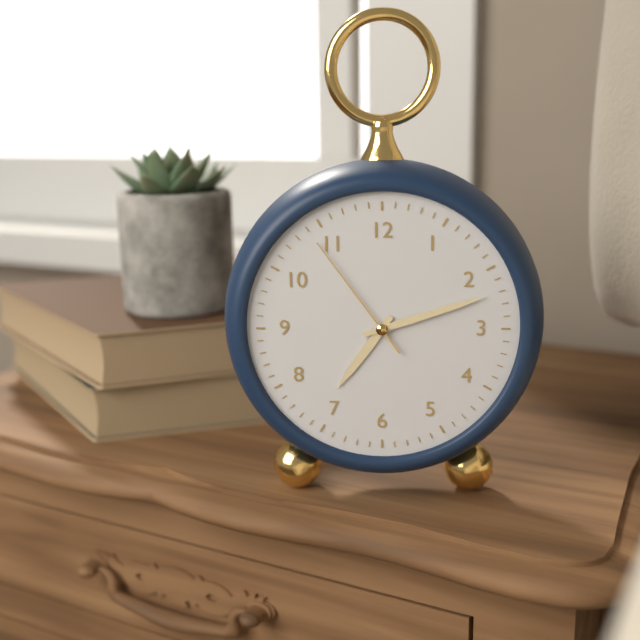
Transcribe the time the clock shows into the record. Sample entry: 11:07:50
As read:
7:12:54
